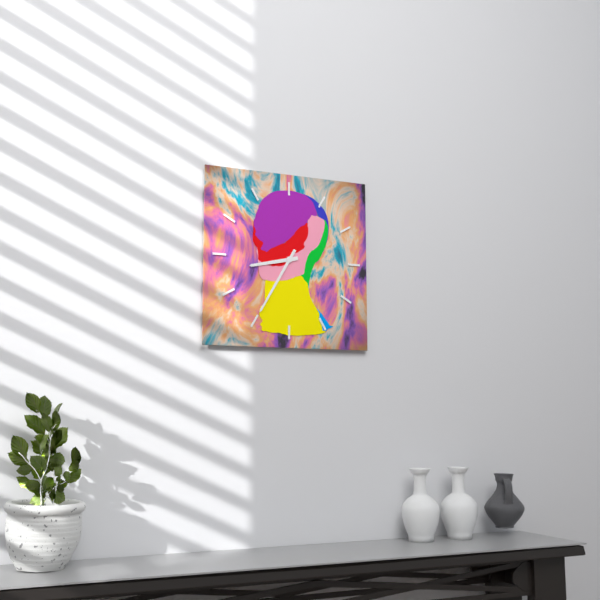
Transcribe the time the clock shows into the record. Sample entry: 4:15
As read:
8:35
